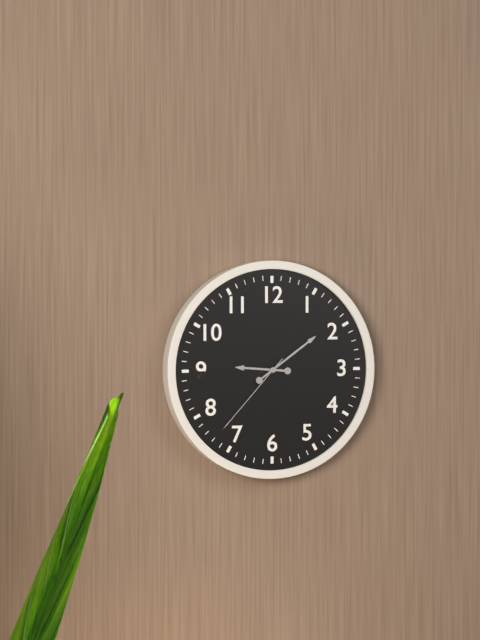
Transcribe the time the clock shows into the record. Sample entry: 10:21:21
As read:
9:09:37
